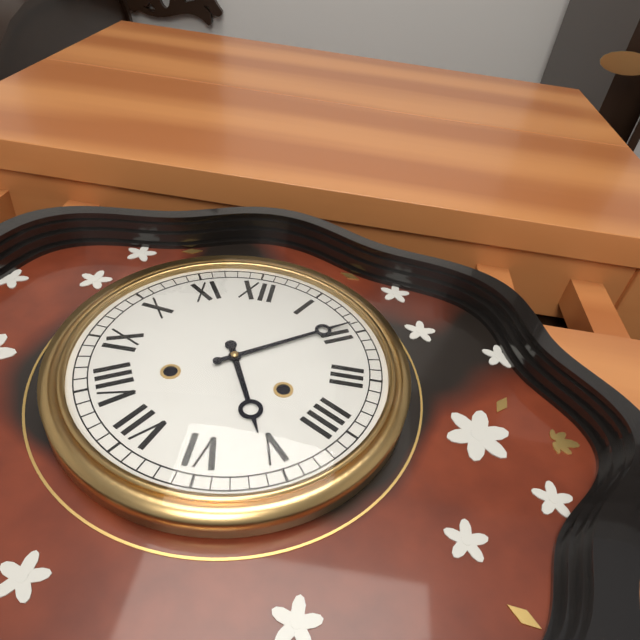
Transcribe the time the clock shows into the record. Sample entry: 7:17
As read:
5:09
